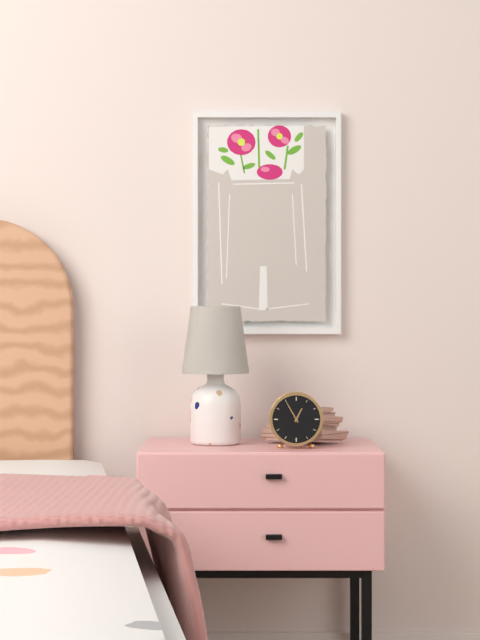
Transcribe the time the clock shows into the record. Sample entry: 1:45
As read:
12:55
